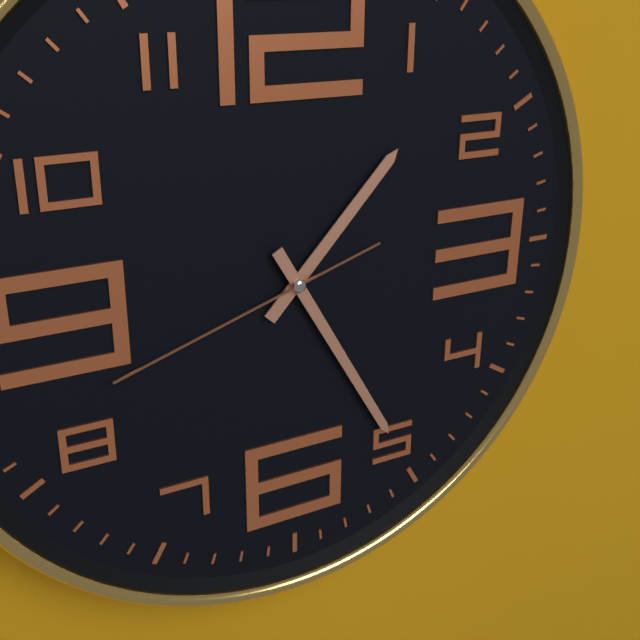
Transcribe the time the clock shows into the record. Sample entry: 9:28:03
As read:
1:25:42
